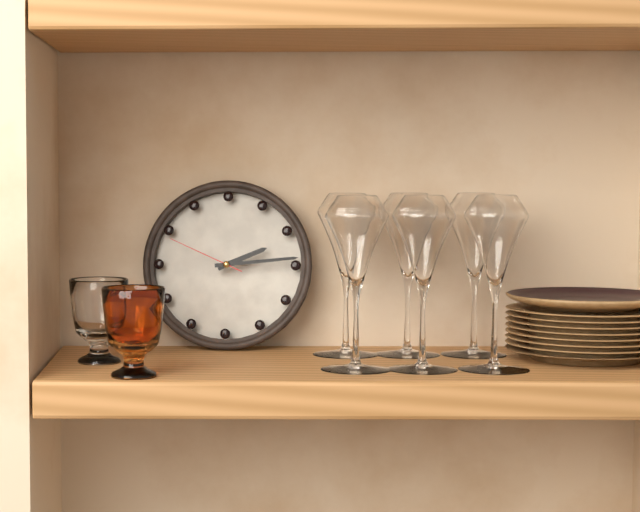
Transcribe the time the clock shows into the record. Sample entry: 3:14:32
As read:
2:14:49
